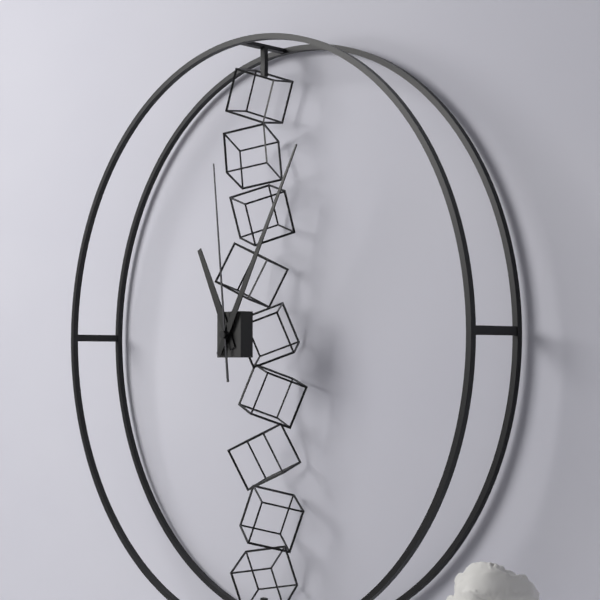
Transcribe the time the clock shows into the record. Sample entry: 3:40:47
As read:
11:05:59
